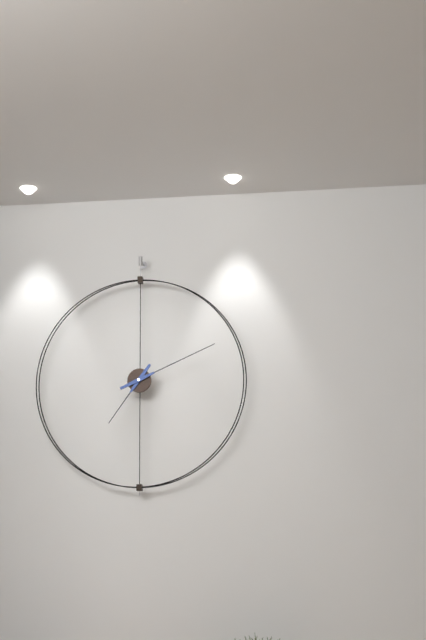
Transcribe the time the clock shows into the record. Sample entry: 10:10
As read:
7:11
